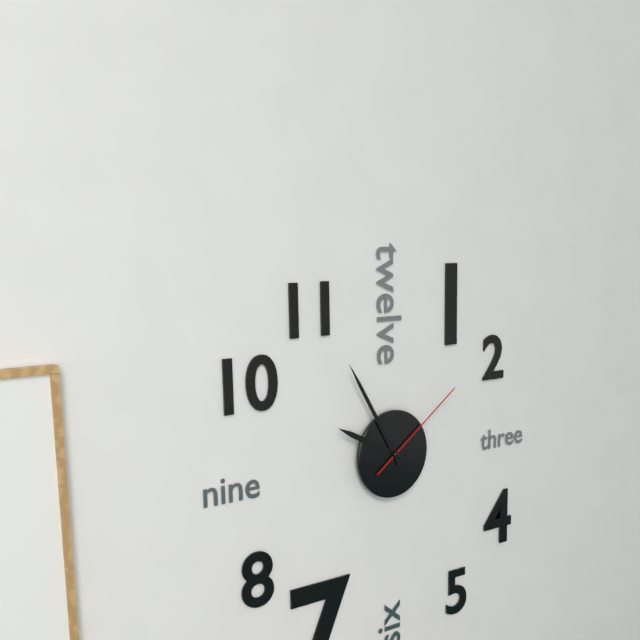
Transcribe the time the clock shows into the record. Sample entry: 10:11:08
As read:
9:55:09
